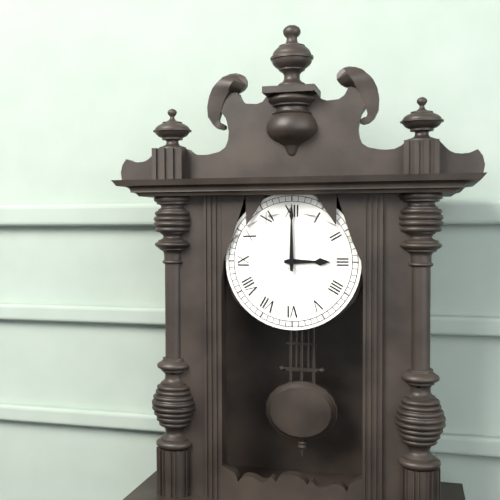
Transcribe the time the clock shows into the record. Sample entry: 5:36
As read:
3:00
